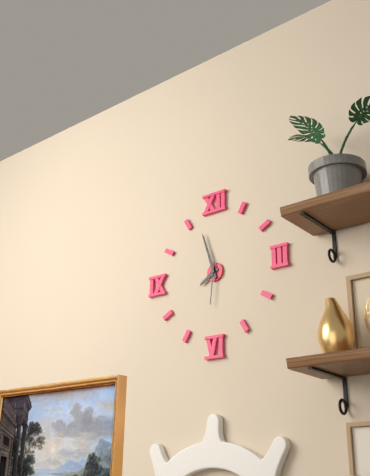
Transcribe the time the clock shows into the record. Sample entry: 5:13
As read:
7:57
